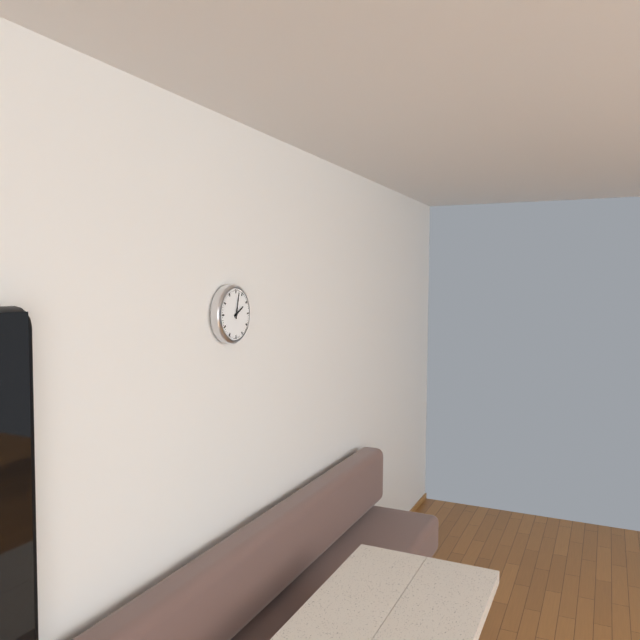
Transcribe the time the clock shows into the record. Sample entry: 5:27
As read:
2:02
